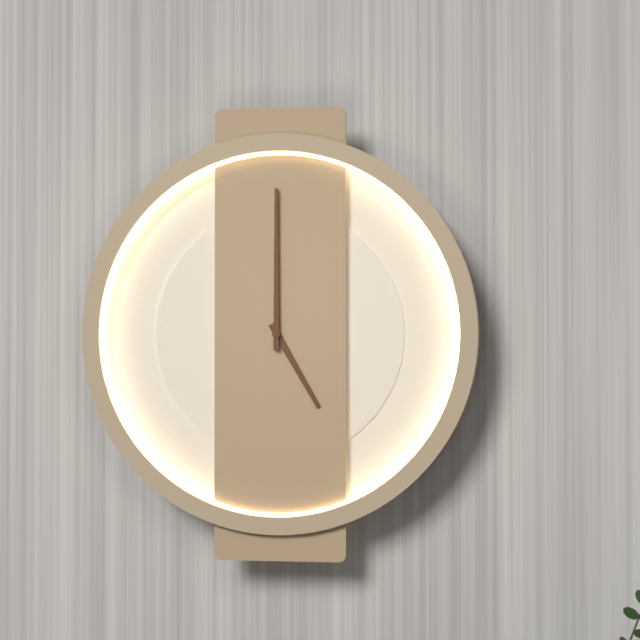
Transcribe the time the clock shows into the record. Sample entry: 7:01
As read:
5:00
